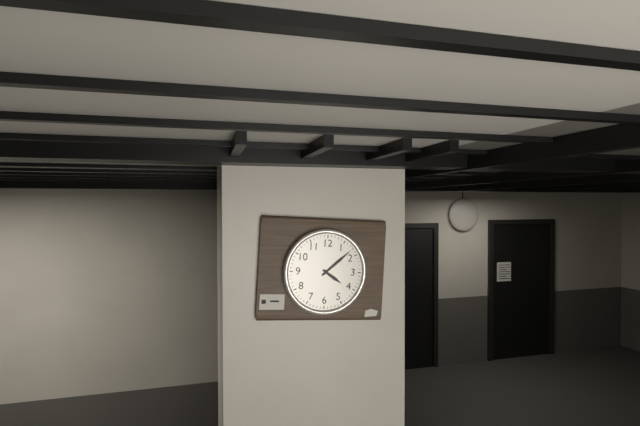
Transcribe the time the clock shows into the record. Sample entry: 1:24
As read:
4:08
